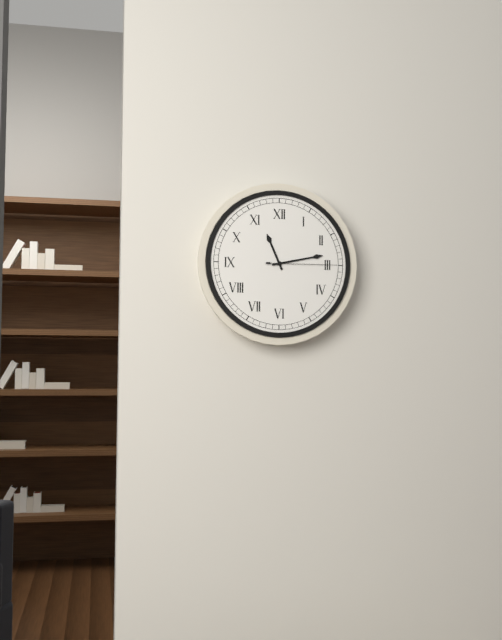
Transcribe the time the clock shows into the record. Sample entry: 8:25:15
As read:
11:13:15
